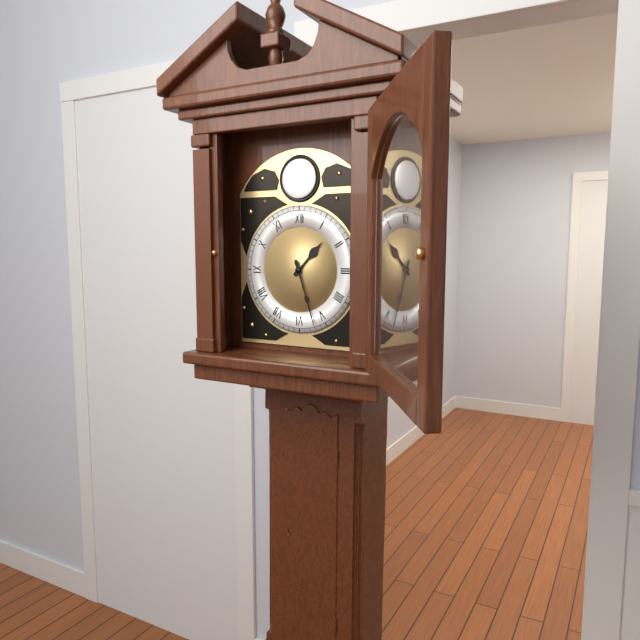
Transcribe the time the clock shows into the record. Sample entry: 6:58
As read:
1:27
